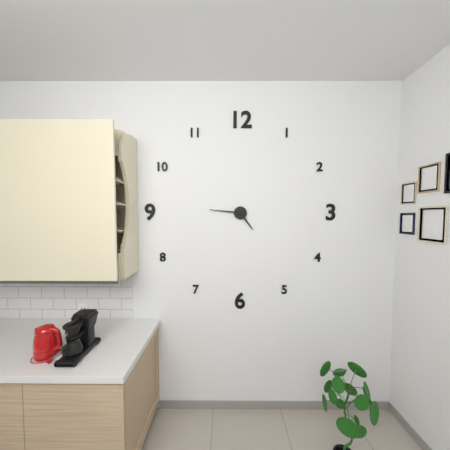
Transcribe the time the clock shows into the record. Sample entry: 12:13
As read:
4:46
